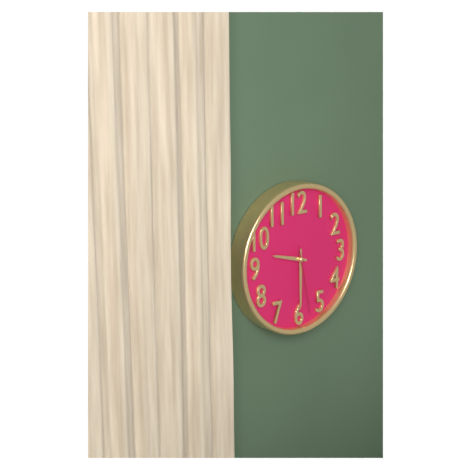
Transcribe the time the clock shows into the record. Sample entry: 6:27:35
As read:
9:30:28
